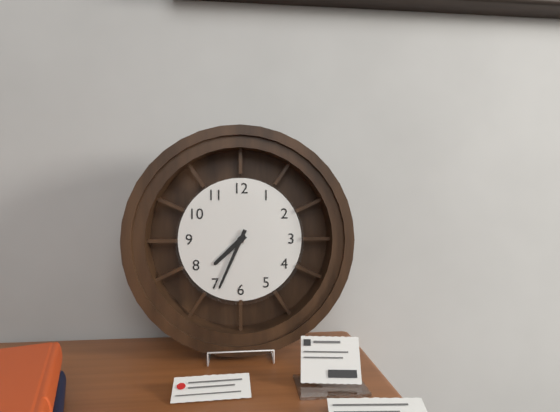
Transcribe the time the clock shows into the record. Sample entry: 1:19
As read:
7:34
